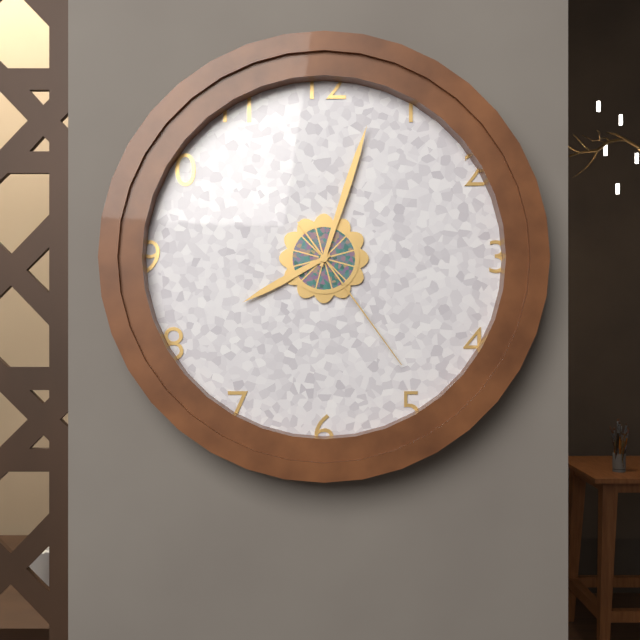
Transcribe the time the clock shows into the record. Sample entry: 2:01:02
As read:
8:03:24
